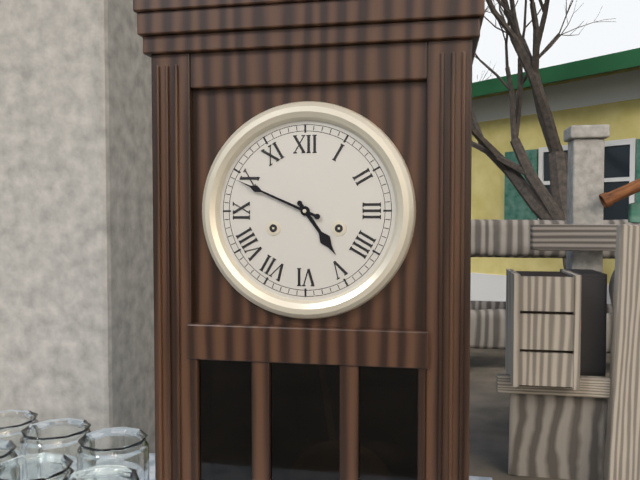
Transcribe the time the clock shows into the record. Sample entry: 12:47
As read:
4:49
